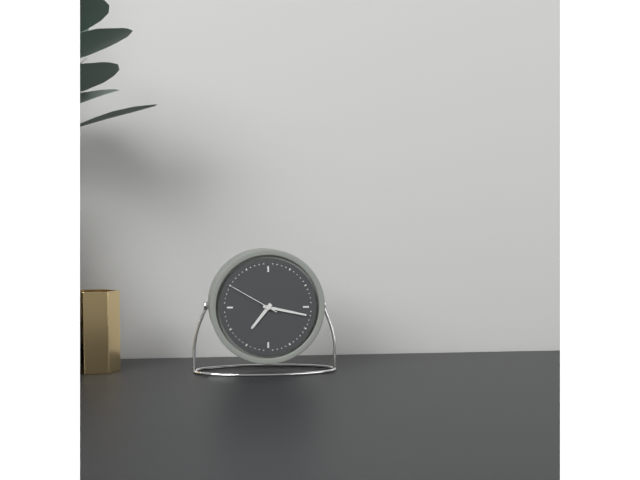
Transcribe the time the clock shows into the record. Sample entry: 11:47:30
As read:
7:17:50
